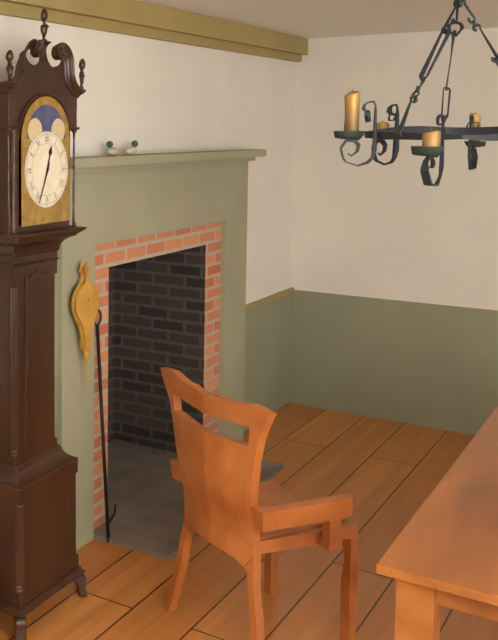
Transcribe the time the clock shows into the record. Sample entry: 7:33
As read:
12:34
